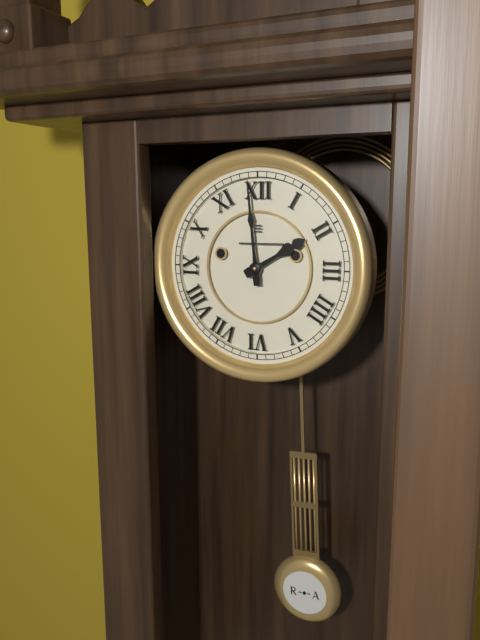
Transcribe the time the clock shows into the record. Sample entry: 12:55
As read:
1:59
